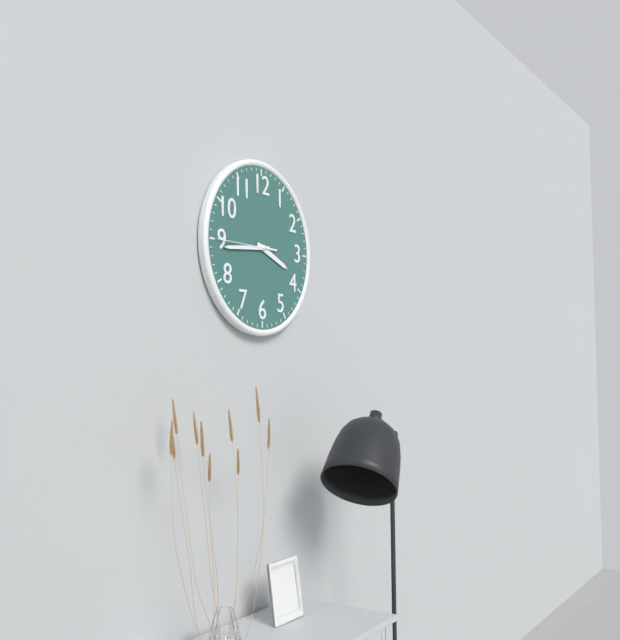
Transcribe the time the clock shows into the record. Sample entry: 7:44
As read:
3:44
